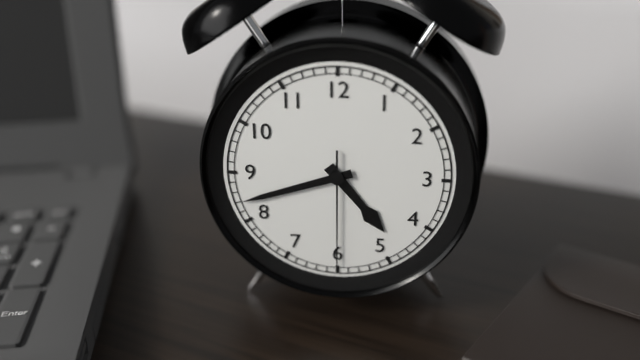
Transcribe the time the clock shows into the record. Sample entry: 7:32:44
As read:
4:42:30
